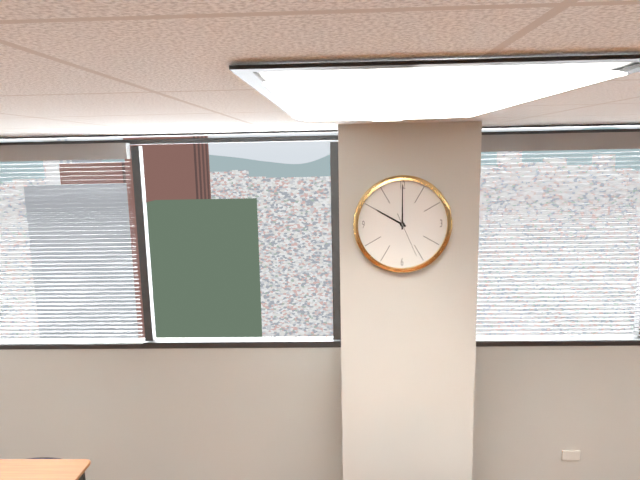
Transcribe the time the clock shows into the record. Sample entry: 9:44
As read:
10:00
